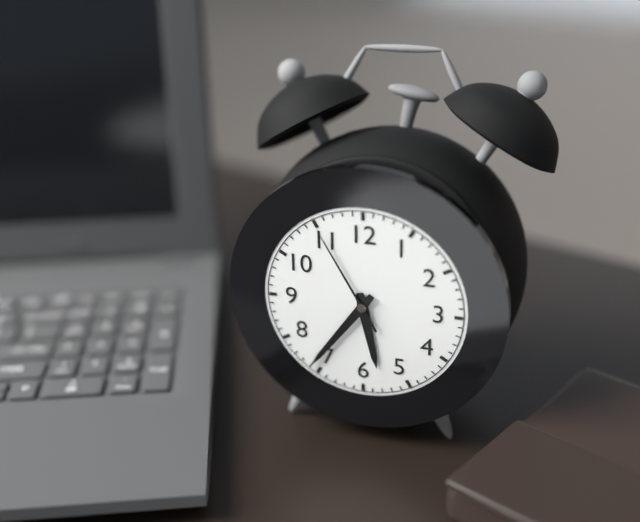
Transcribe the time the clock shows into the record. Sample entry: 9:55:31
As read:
5:36:55
